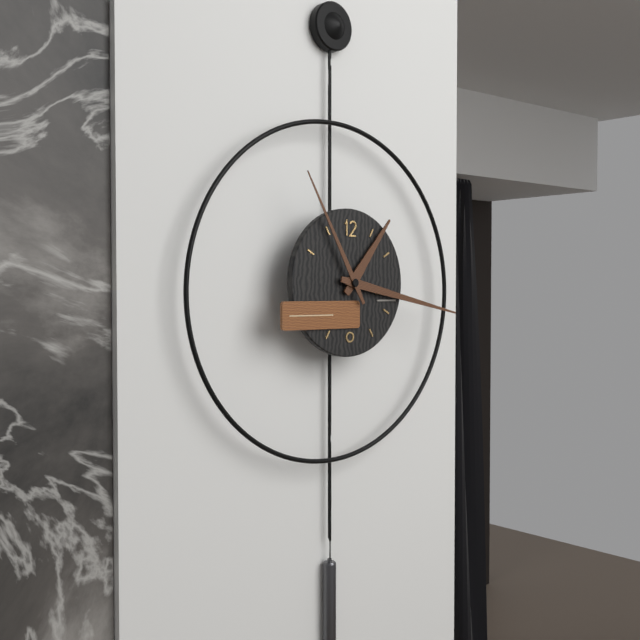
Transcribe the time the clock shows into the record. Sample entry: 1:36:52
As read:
1:17:55
